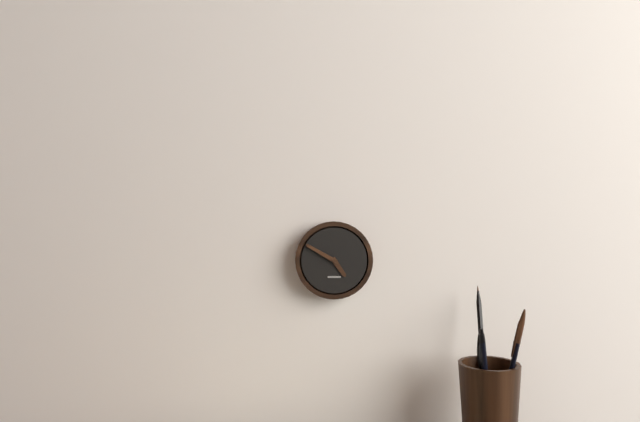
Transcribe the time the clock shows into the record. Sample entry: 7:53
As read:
4:50
